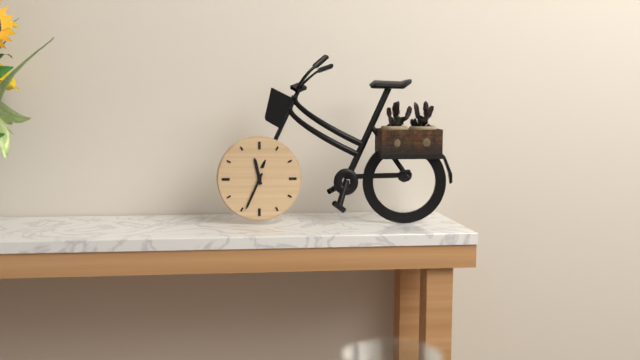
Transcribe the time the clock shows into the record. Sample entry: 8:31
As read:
11:34
